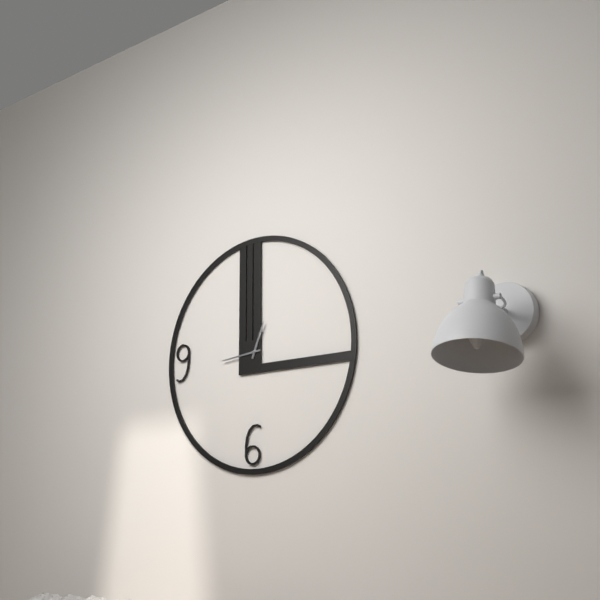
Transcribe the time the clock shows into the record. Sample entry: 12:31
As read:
12:44
